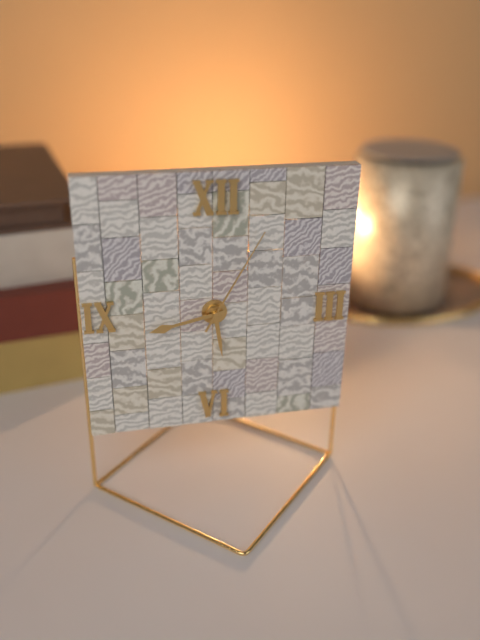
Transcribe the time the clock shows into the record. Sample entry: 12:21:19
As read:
5:43:05
